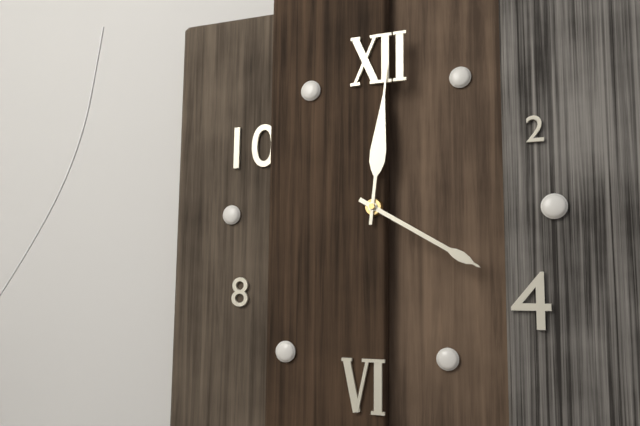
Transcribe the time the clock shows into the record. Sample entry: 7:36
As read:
4:01
